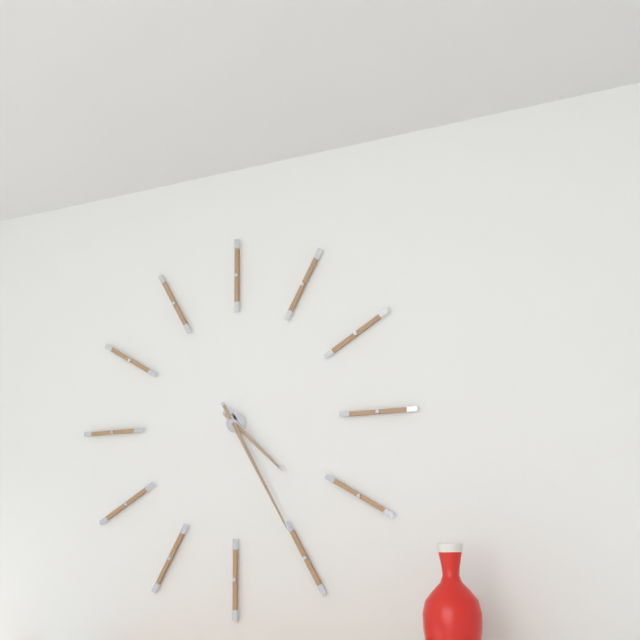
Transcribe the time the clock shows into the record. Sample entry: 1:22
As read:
4:25
